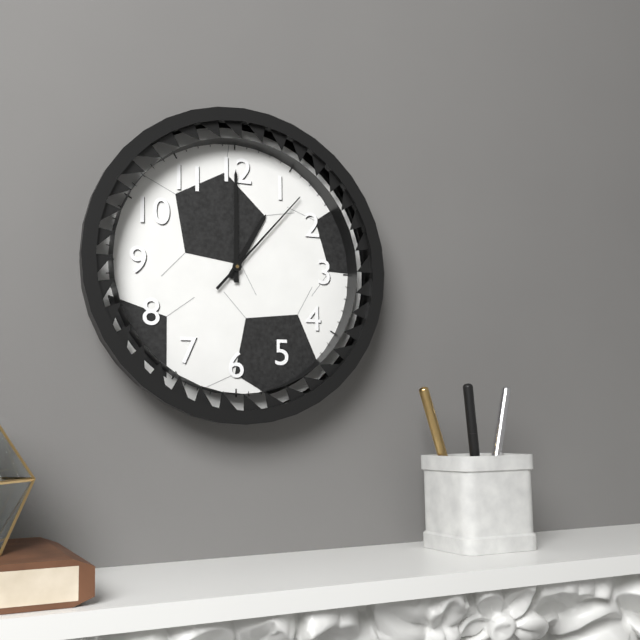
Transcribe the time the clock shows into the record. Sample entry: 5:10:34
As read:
1:00:07
